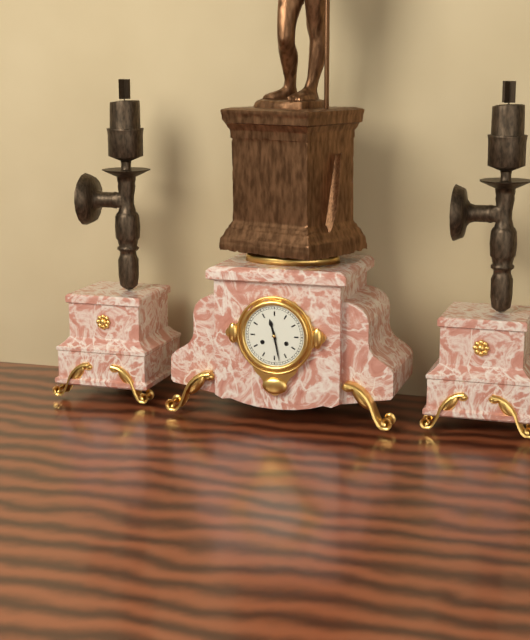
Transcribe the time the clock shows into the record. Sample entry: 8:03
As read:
11:28
